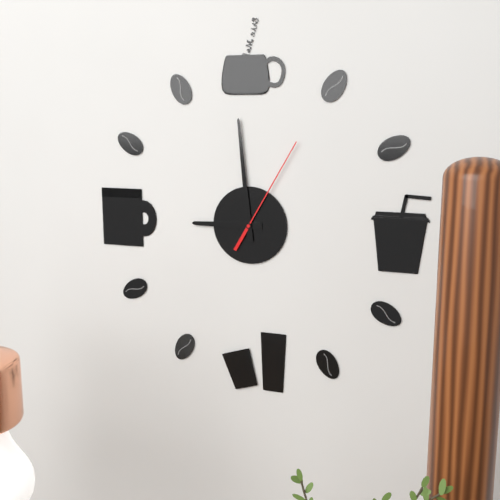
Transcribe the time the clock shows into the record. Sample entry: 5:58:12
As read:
8:59:05
